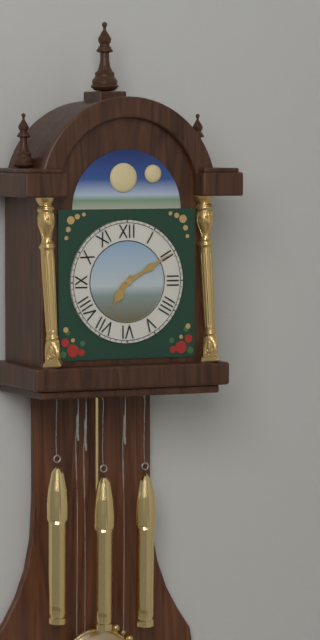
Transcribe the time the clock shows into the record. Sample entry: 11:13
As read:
7:10
